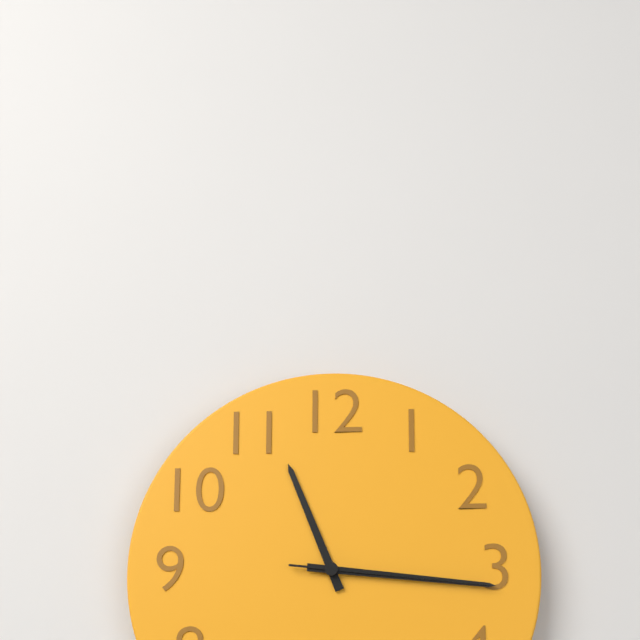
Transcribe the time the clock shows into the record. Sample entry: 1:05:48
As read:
11:16:16
